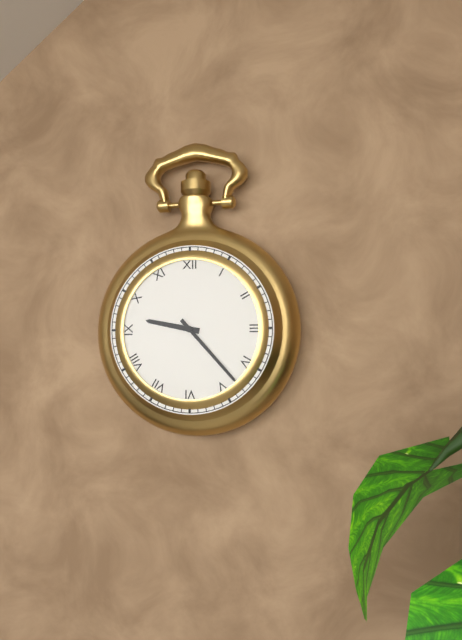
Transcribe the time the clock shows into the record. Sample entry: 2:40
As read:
9:23
